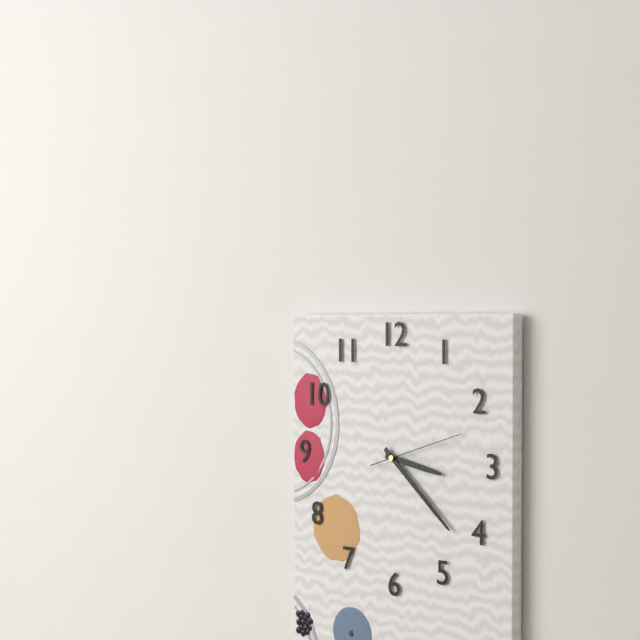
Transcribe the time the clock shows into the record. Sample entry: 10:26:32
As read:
3:22:12
